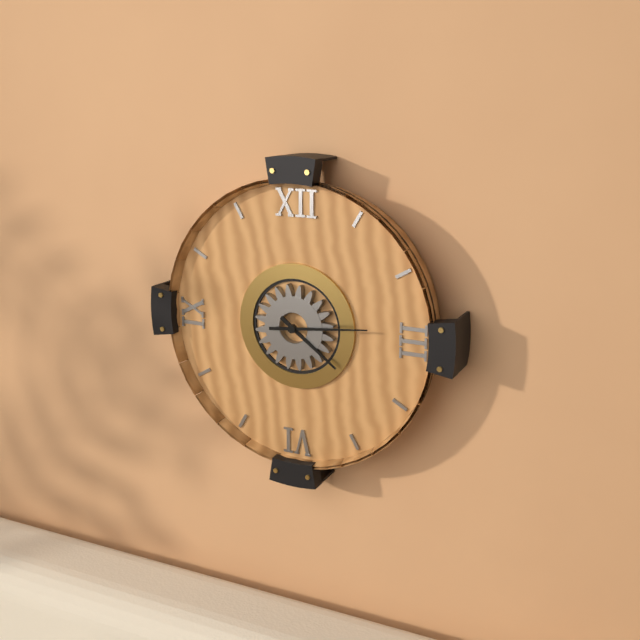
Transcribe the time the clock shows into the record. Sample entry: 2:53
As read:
4:14
